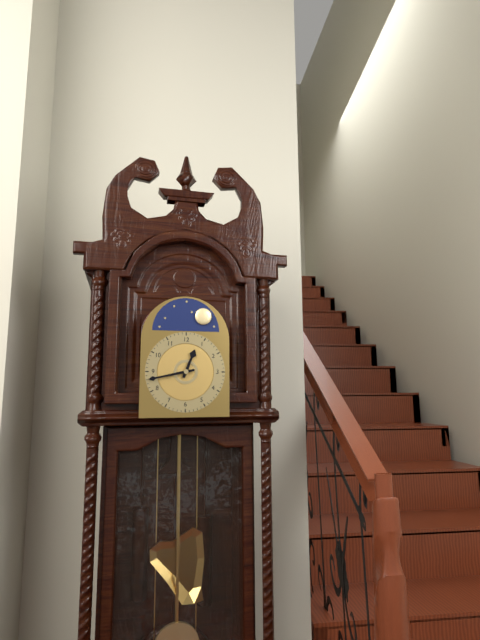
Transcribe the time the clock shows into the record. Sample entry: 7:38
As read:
12:43
